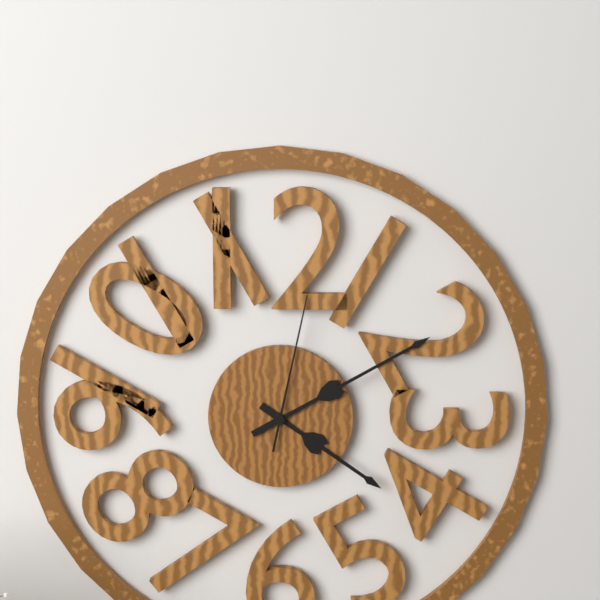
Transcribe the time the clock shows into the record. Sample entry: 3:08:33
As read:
4:10:02
